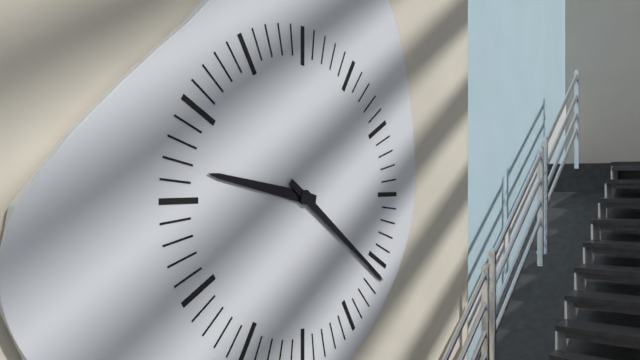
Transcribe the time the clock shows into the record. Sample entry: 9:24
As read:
9:21
